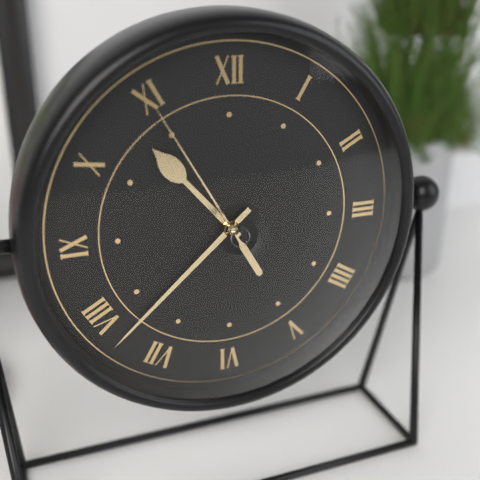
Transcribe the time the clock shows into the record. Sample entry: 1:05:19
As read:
10:38:55
